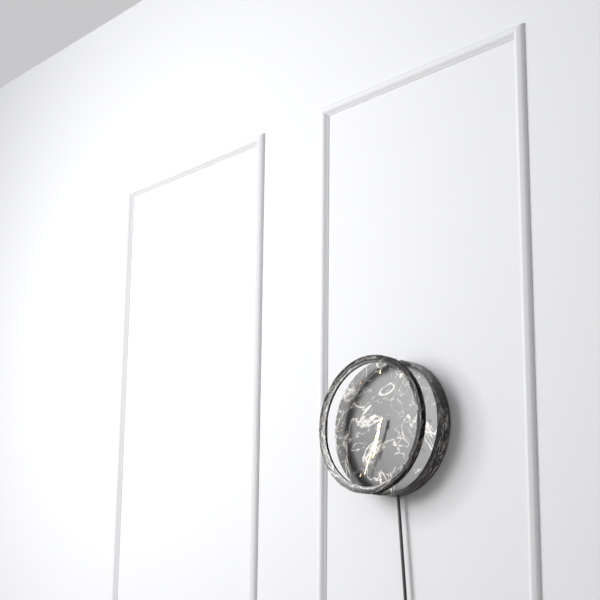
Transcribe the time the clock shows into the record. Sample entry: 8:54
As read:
6:34
